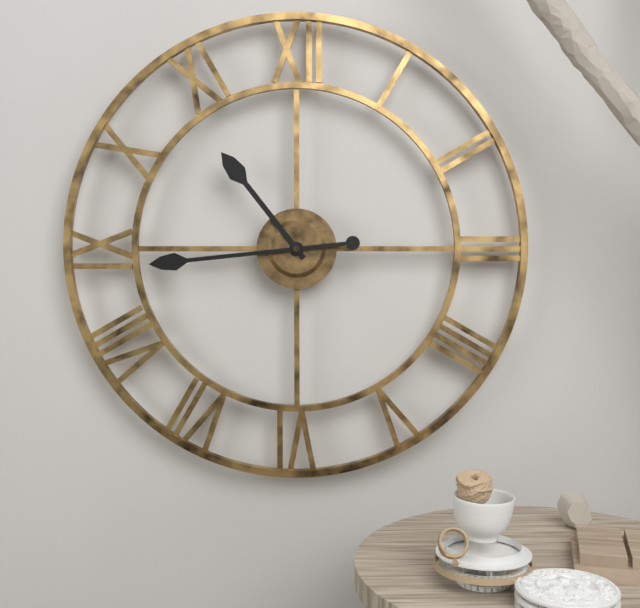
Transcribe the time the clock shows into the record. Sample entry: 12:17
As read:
10:44
